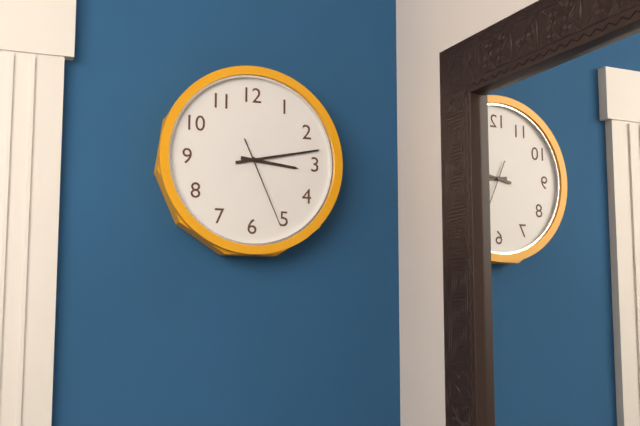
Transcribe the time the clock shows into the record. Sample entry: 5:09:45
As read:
3:13:26
